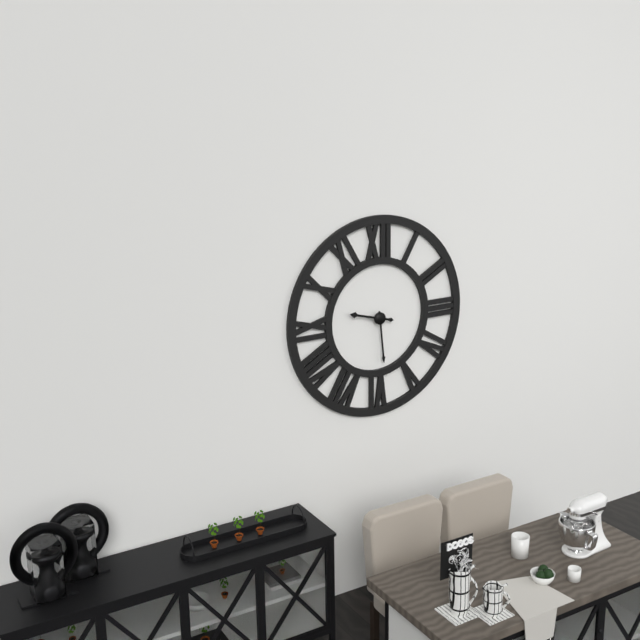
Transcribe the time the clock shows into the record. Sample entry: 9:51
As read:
9:29
